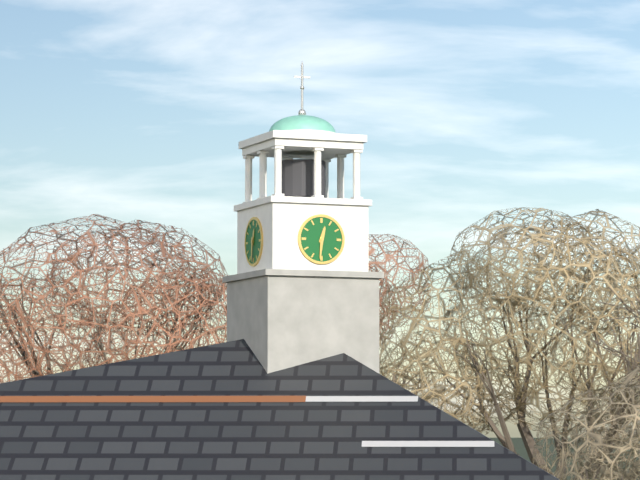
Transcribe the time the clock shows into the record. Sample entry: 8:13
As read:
12:31
